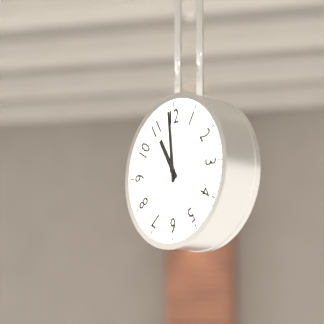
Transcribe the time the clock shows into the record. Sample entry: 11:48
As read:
10:59
